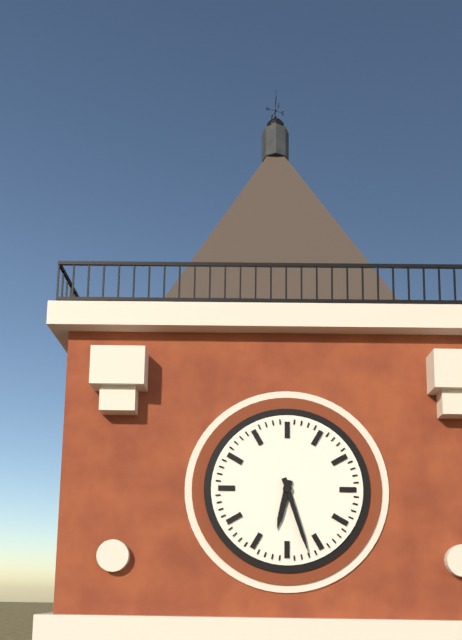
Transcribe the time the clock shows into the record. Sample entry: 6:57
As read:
6:27
